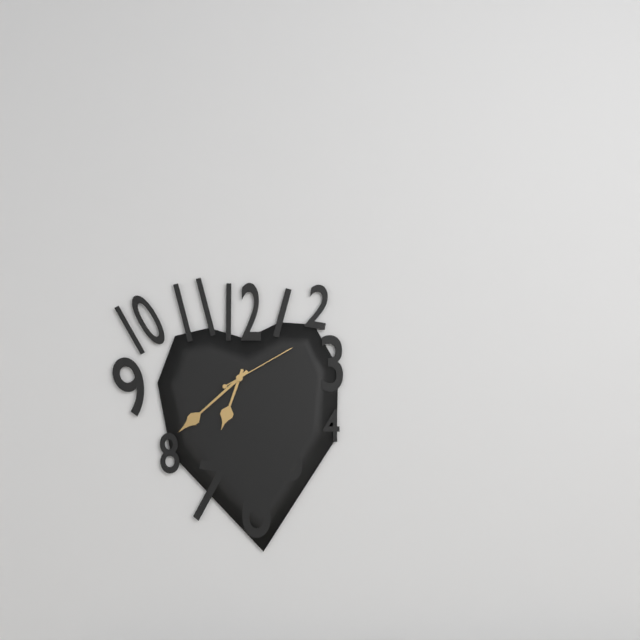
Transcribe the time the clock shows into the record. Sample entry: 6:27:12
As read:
6:38:10
